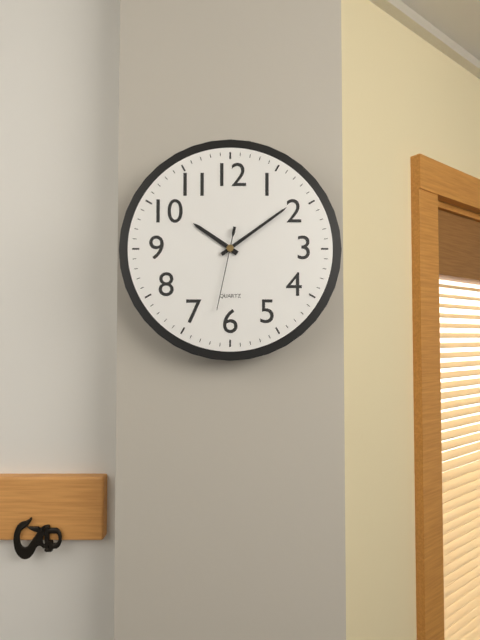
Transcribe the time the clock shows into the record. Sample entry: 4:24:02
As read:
10:09:32
